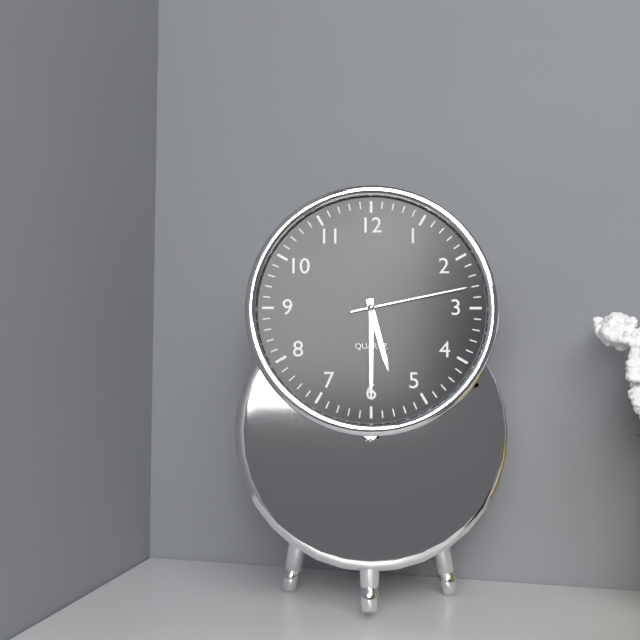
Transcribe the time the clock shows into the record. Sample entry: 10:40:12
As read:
5:30:13
